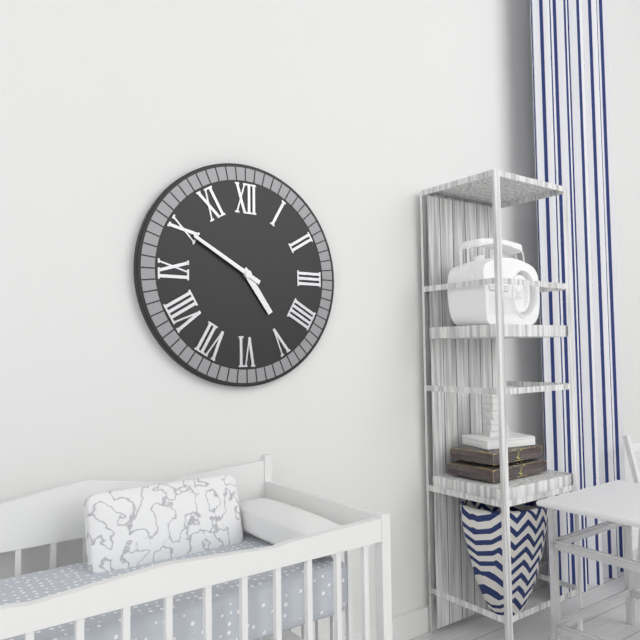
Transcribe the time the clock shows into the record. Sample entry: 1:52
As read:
4:50
